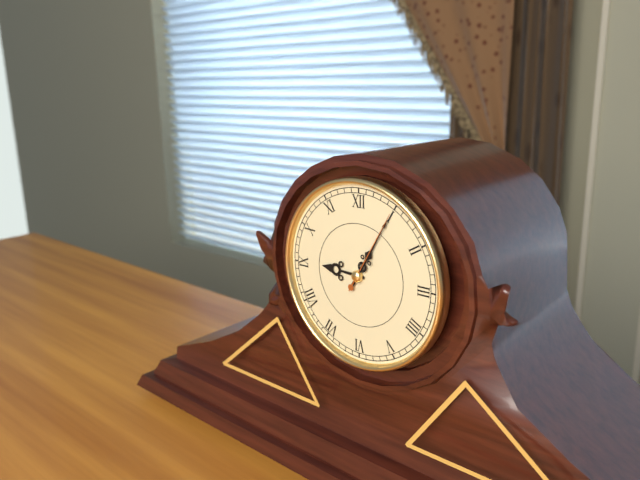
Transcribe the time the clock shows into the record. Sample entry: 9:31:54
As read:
9:05:05
